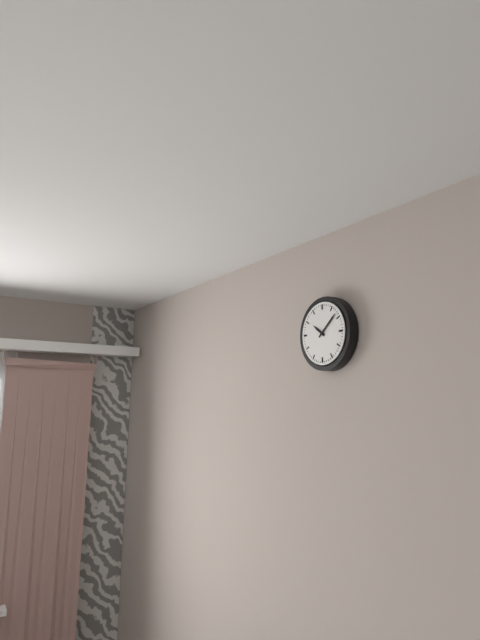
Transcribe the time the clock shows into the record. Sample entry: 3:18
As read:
10:08
